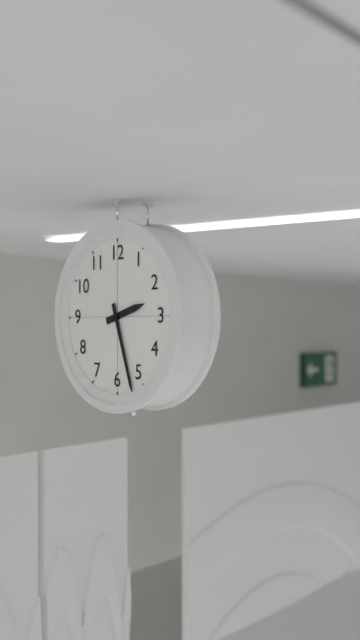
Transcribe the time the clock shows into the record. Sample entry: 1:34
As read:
2:27
